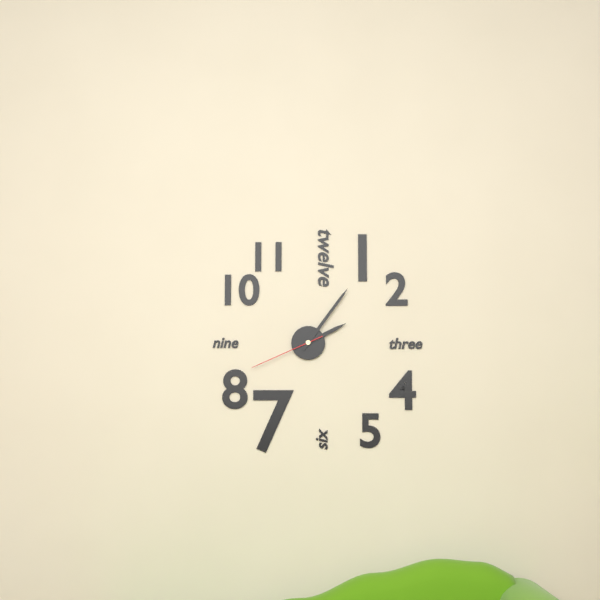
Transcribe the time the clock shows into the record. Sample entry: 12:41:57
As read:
2:06:41
